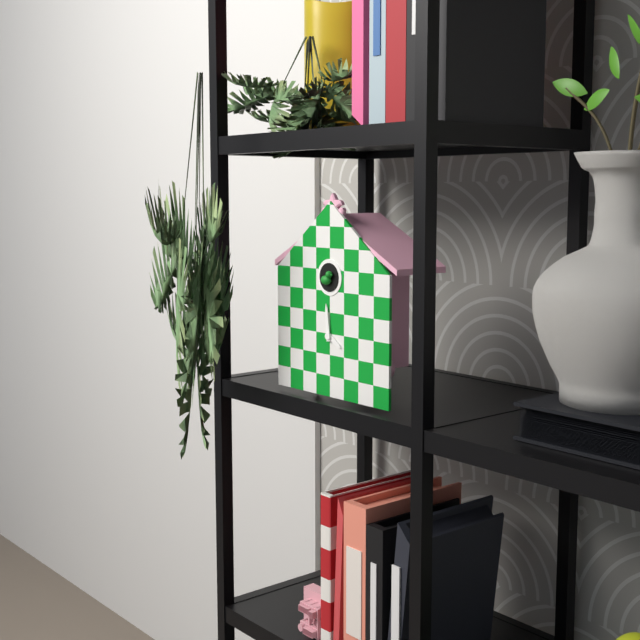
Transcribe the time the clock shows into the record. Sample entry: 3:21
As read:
3:59
